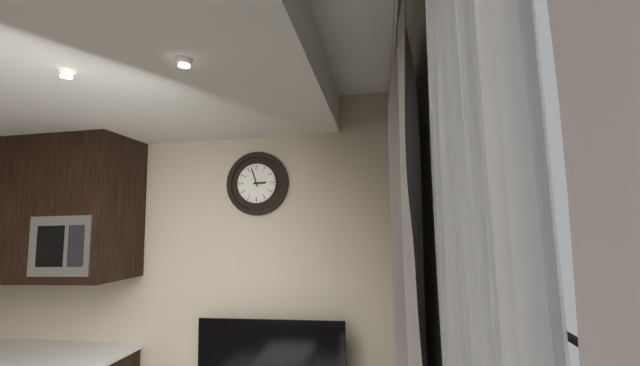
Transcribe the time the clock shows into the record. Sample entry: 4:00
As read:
2:57
